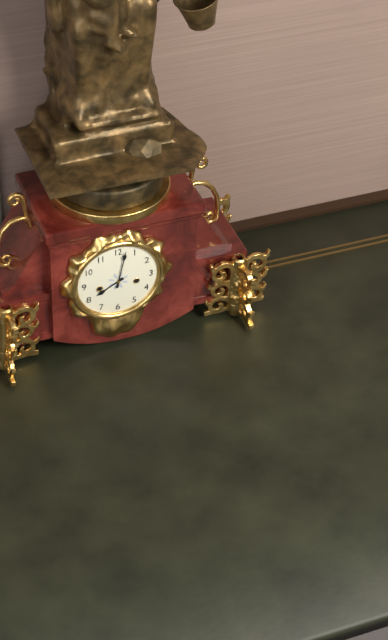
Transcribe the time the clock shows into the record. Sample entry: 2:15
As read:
8:02
